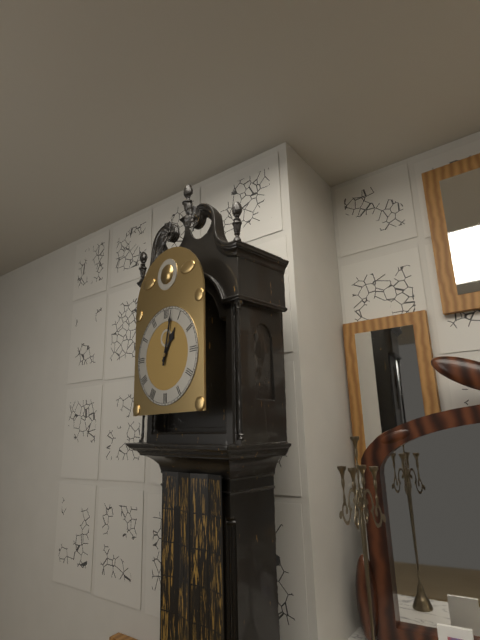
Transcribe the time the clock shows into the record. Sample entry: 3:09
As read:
1:02
